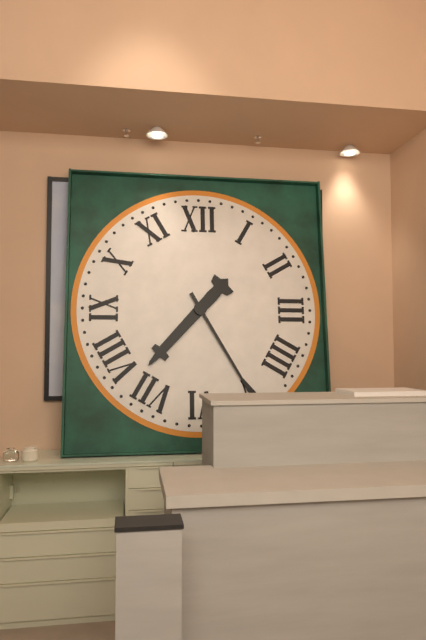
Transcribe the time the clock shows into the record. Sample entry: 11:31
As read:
7:25
